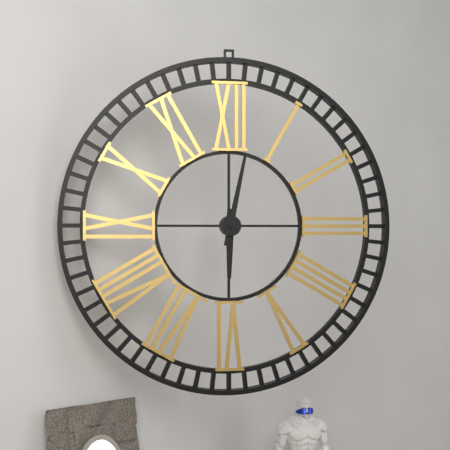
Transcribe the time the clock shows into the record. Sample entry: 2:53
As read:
6:02
